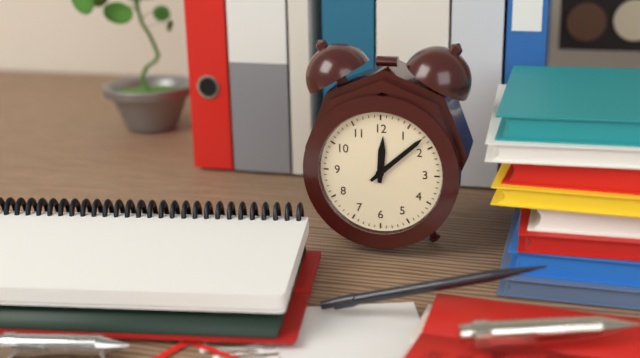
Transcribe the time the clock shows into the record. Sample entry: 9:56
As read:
12:08
